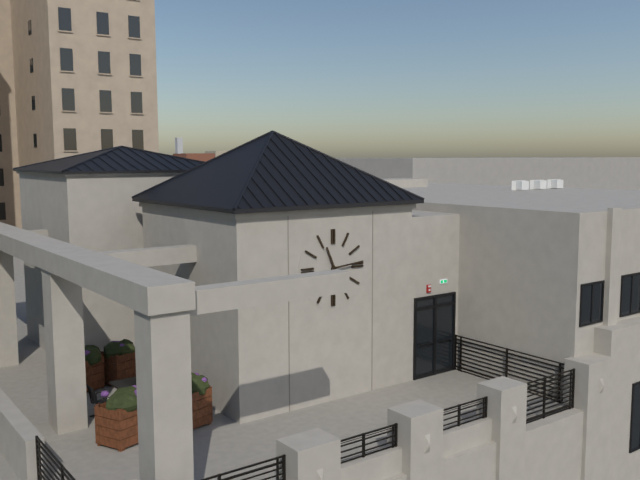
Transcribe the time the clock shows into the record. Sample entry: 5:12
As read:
11:14
